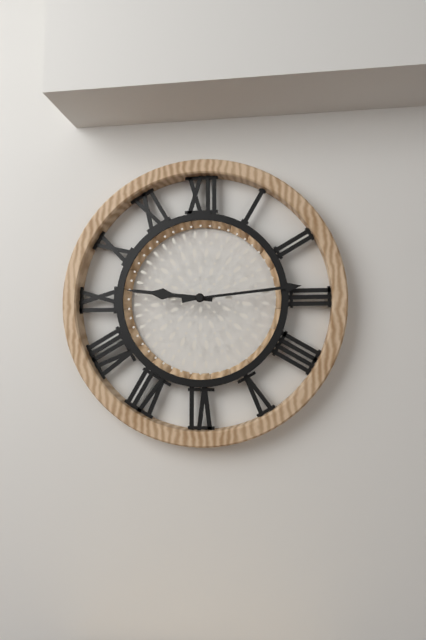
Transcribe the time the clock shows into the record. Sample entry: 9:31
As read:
9:14
